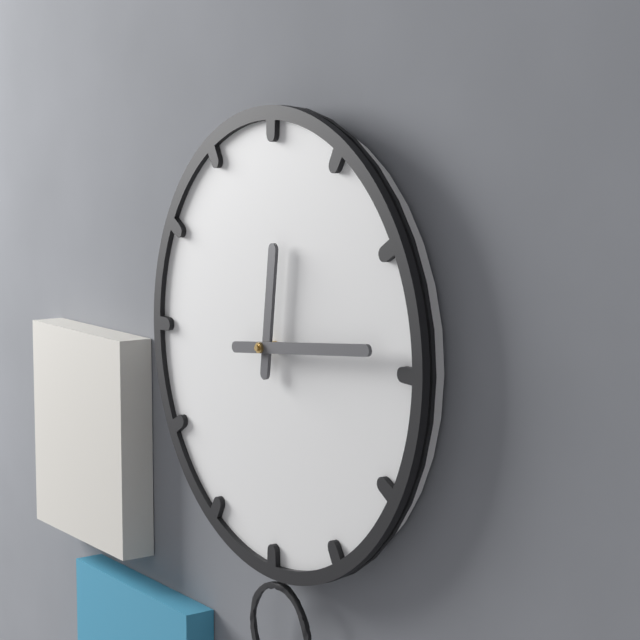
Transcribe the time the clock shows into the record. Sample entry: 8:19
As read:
12:14
